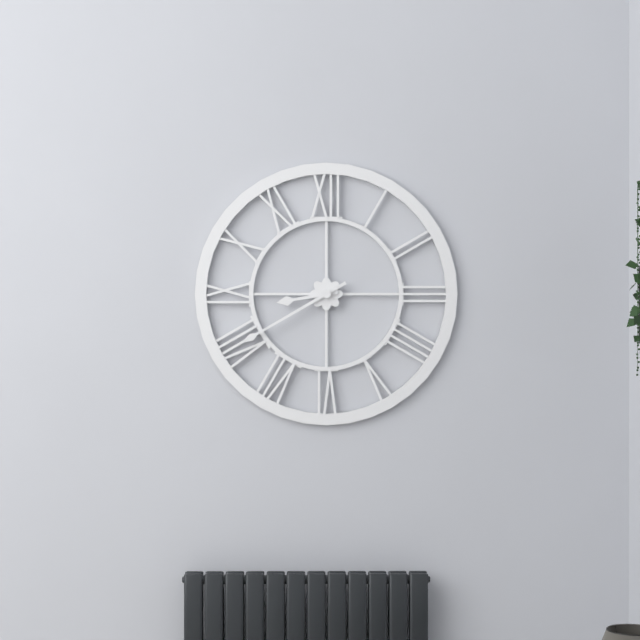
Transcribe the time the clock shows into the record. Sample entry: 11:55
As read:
8:40
